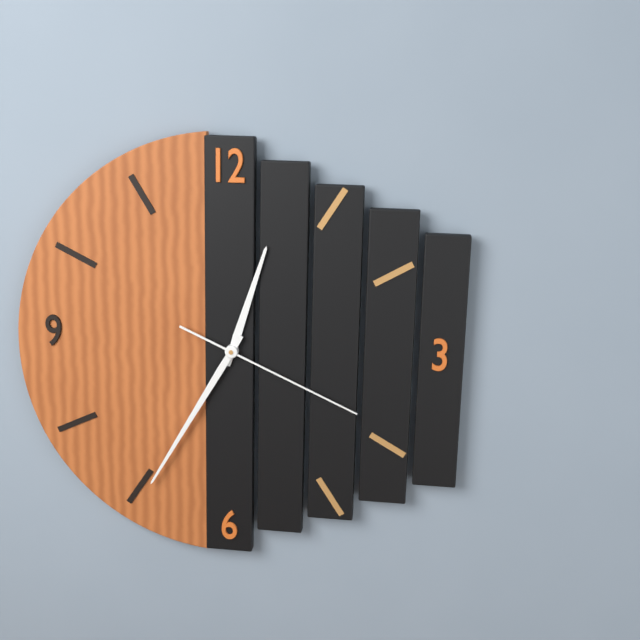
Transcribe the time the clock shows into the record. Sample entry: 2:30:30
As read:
12:35:19
